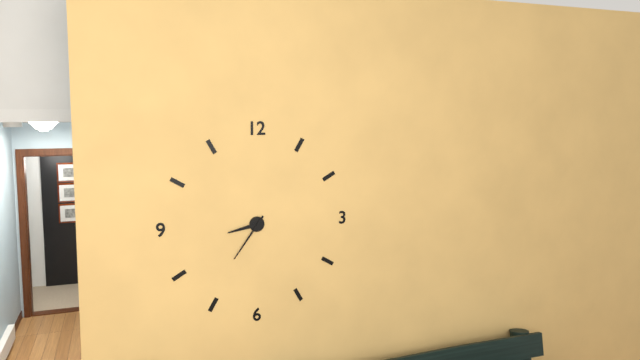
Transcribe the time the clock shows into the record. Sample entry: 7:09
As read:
8:36
